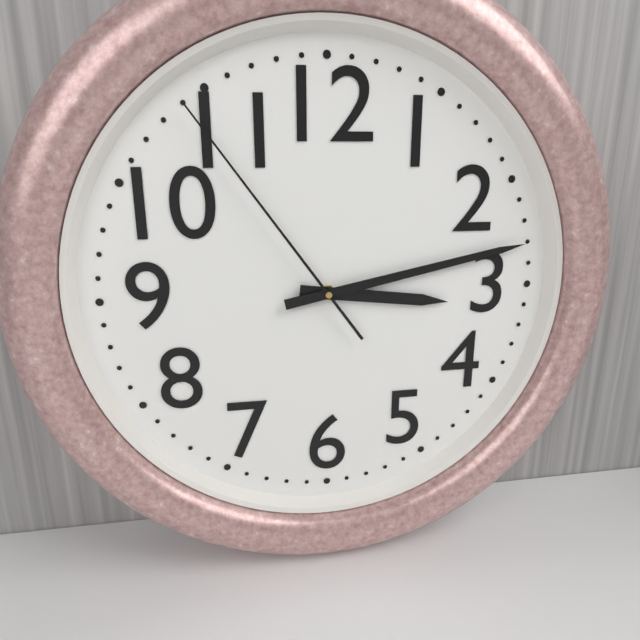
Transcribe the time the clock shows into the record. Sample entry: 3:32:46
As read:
3:13:54
